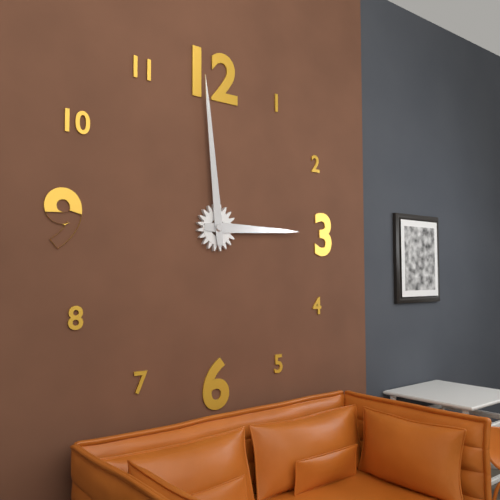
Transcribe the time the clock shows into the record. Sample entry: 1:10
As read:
2:59
